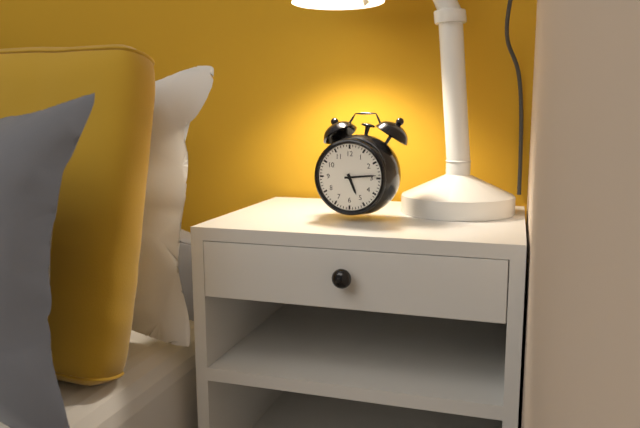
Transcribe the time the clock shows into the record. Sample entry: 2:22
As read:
5:14
